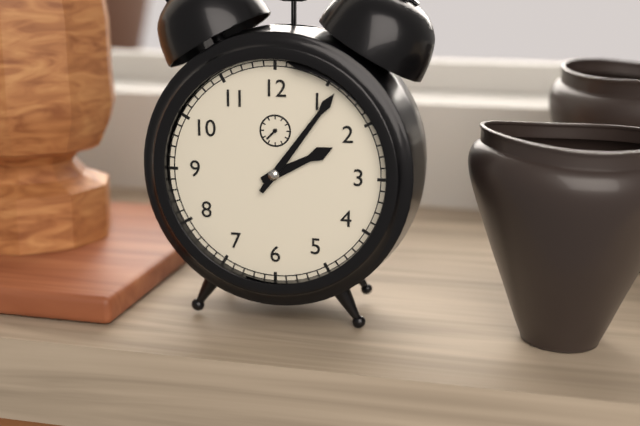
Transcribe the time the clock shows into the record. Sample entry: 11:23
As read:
2:06
